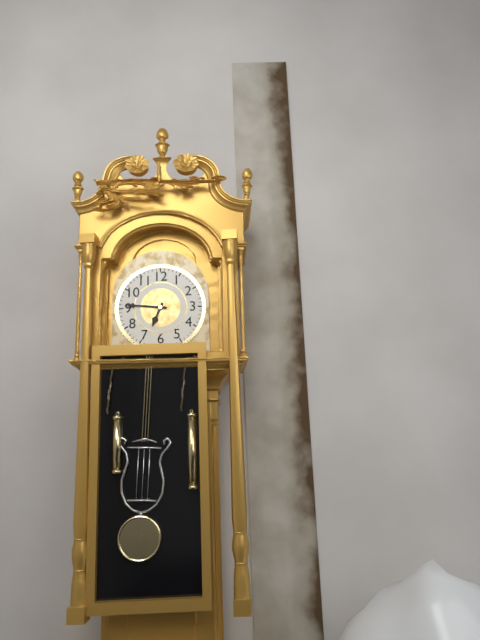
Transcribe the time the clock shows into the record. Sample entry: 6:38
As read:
6:46
